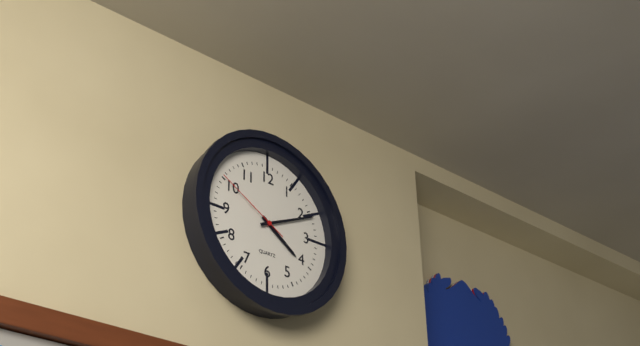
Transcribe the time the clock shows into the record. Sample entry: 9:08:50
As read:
4:11:50
